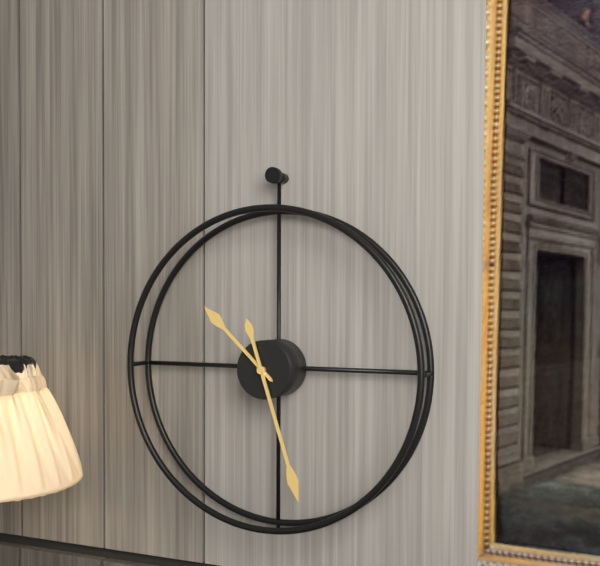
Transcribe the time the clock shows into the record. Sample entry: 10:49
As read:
10:27
